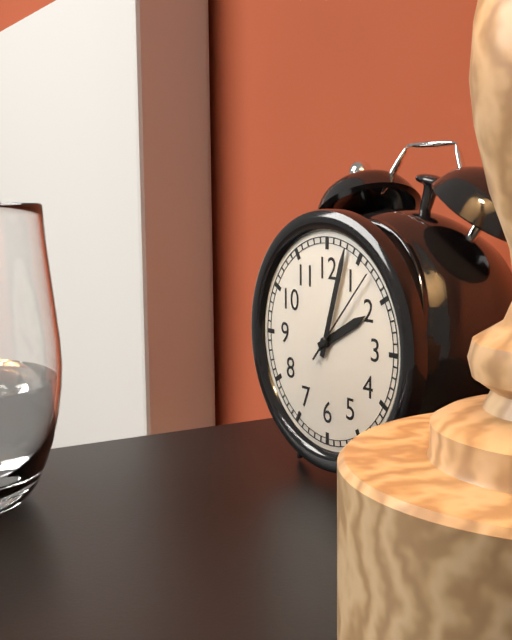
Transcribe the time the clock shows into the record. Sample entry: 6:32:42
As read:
2:03:07
